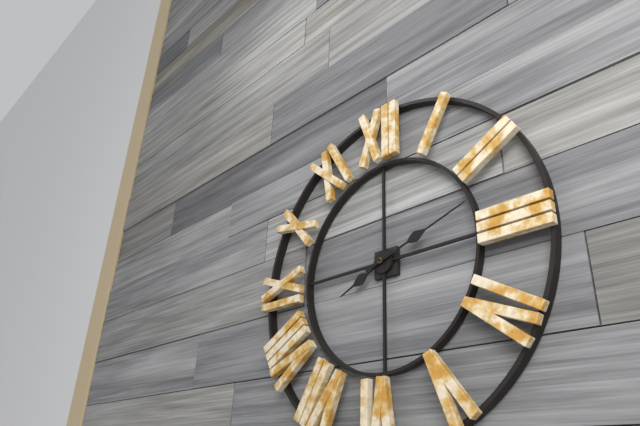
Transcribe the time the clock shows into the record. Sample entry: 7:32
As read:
8:12
